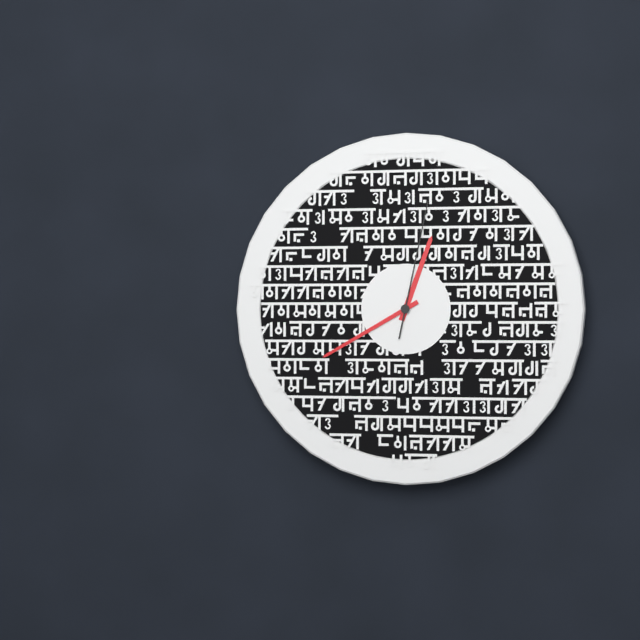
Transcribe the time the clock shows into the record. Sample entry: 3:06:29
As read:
12:40:02
